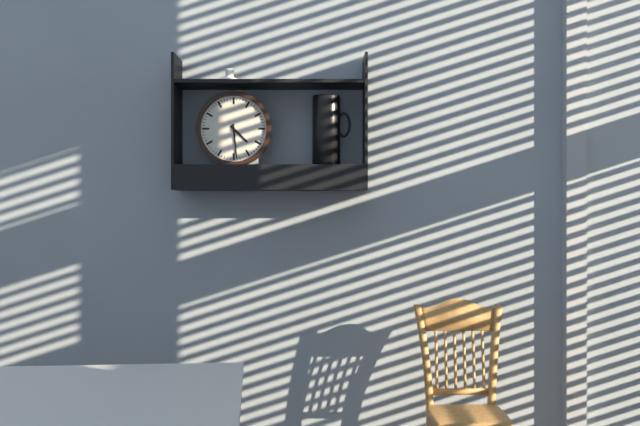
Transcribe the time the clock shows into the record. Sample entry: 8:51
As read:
4:29
